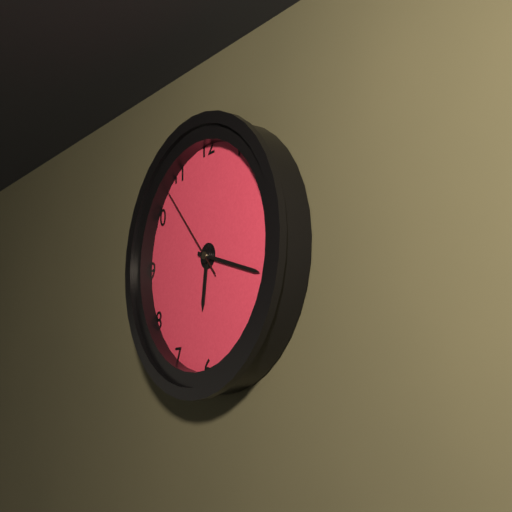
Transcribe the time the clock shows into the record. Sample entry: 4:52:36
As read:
6:18:53
